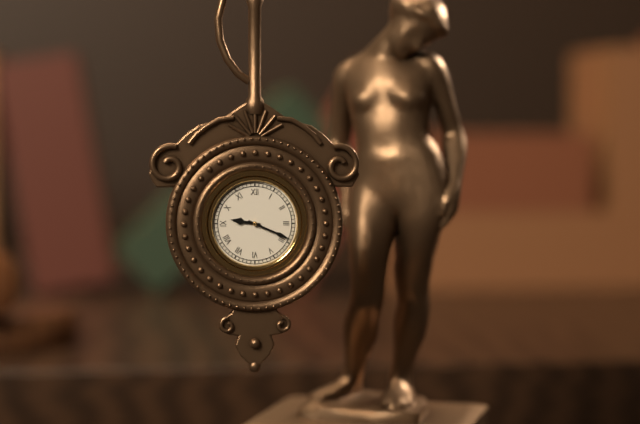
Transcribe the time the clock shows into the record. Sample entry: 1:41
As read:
9:19
